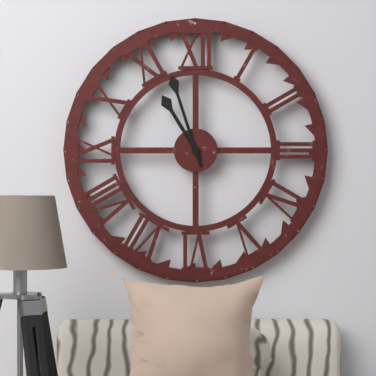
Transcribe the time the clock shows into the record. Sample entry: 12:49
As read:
10:57
